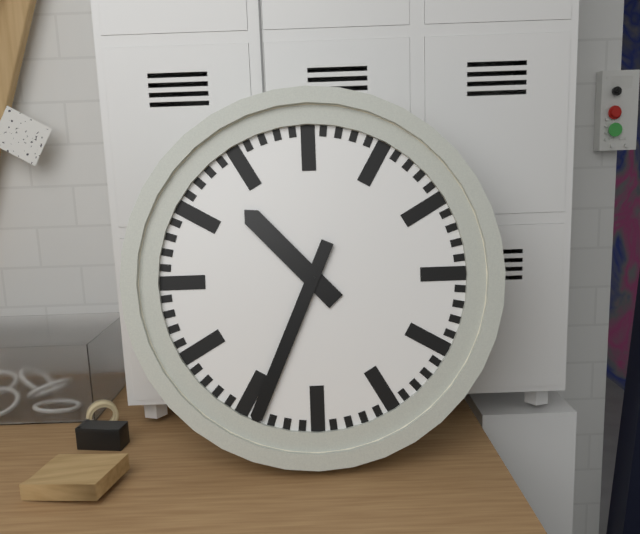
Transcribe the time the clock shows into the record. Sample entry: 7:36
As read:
10:34
